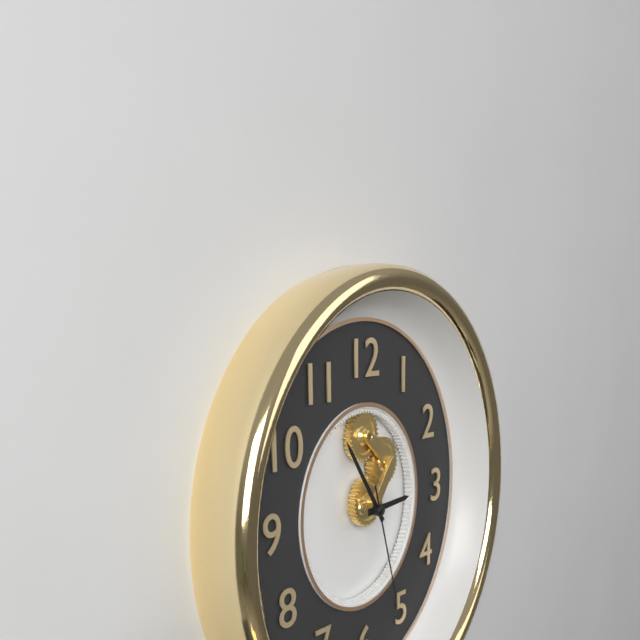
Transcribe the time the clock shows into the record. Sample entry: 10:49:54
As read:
2:54:27
